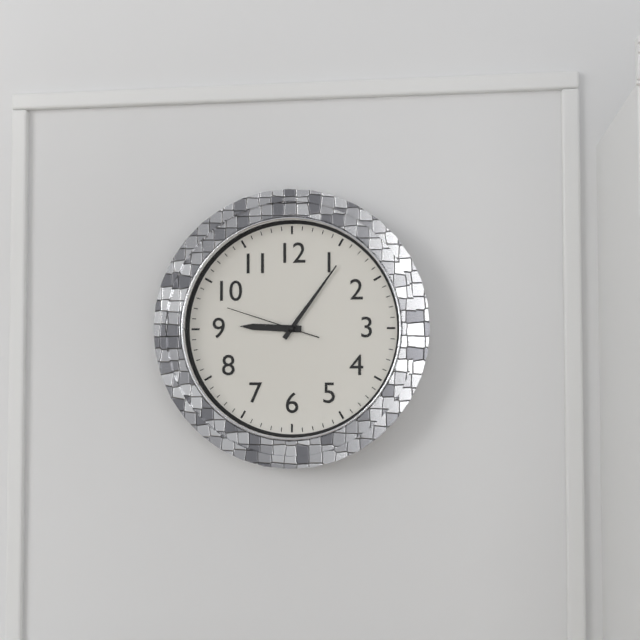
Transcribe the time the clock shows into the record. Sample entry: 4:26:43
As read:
9:06:48
